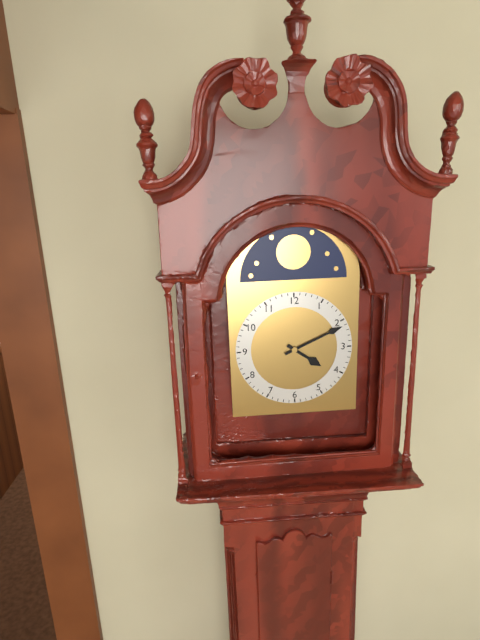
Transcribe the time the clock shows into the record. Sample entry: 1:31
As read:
4:11
